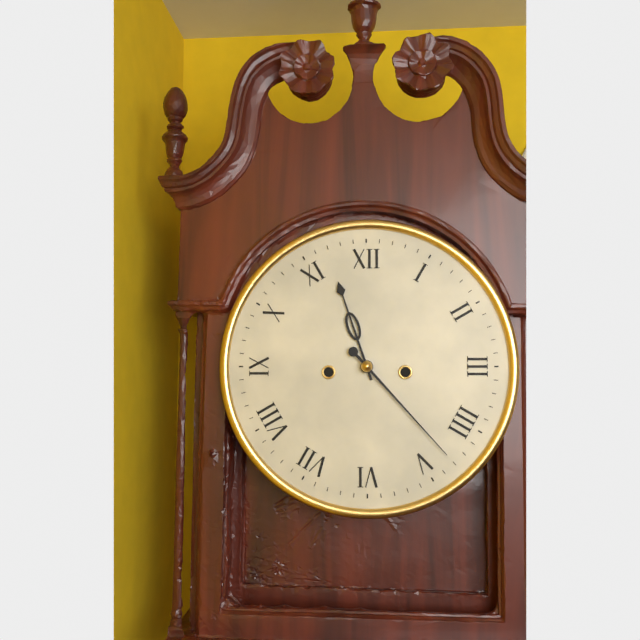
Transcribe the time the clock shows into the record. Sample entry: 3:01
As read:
11:23
